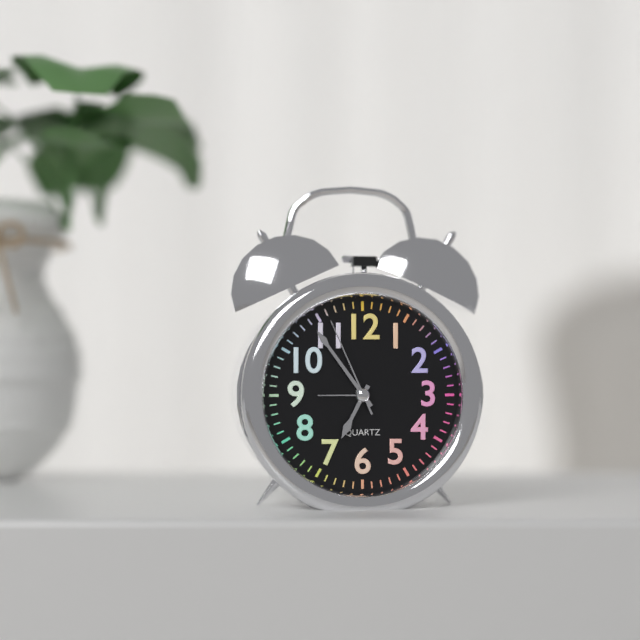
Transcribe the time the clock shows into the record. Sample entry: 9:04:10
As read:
6:54:56
